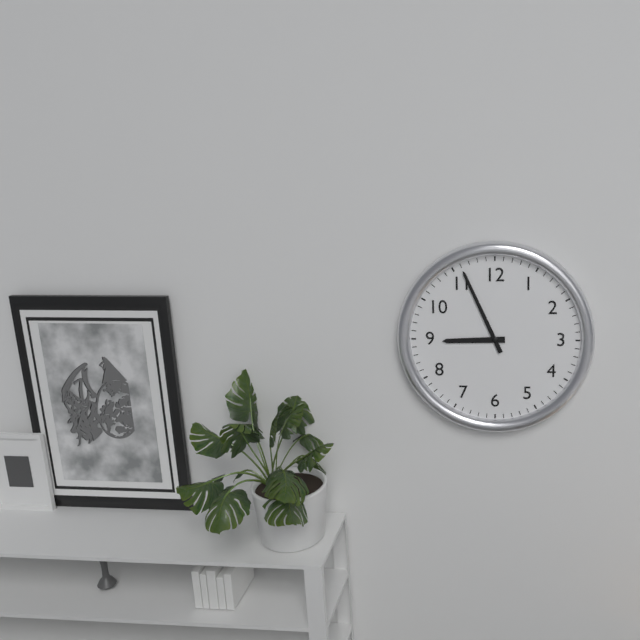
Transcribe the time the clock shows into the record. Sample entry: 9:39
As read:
8:56
